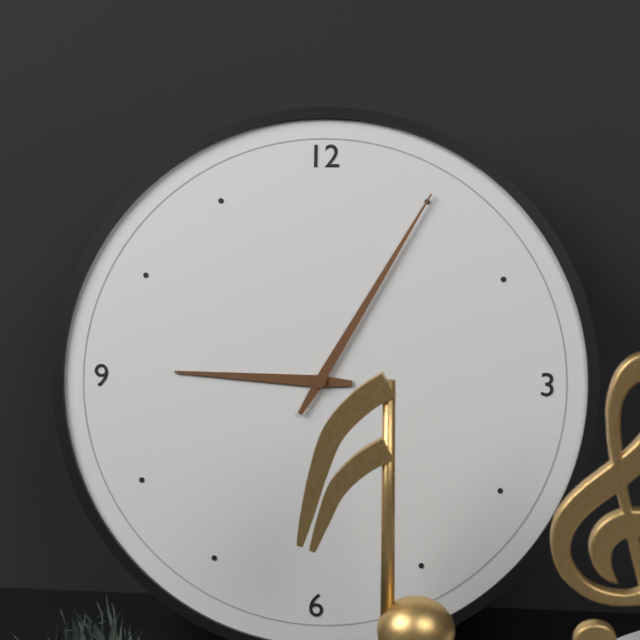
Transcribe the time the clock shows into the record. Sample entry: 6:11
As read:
9:05
